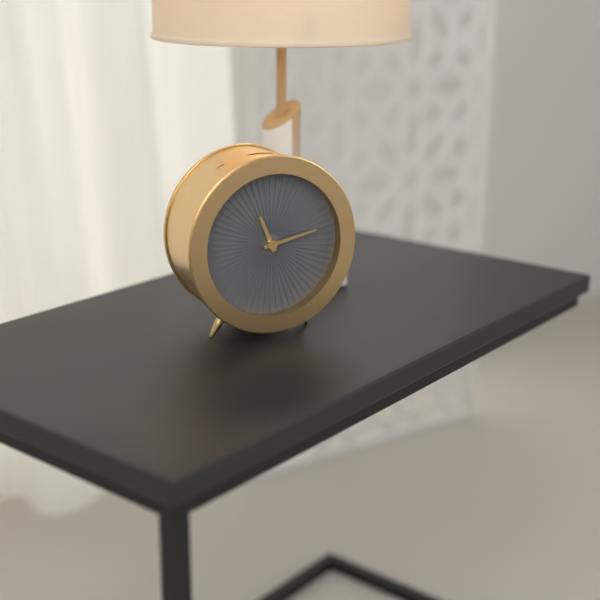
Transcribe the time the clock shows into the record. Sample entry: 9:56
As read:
11:13
